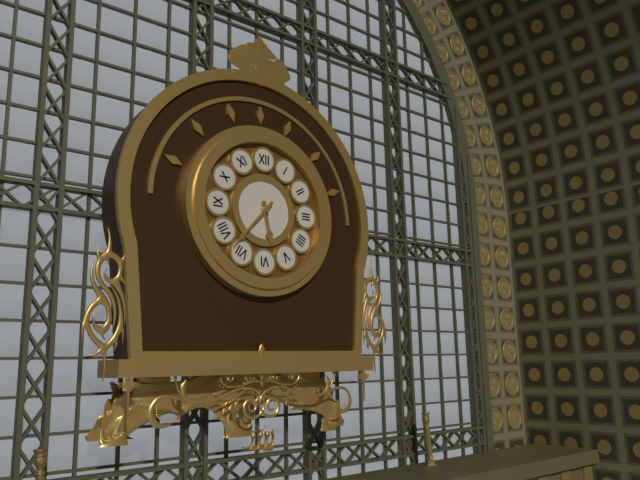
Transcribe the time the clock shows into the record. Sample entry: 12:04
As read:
5:37
